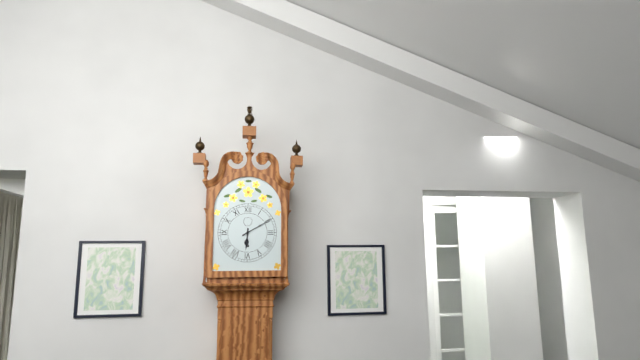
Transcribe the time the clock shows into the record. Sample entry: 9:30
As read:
6:10
